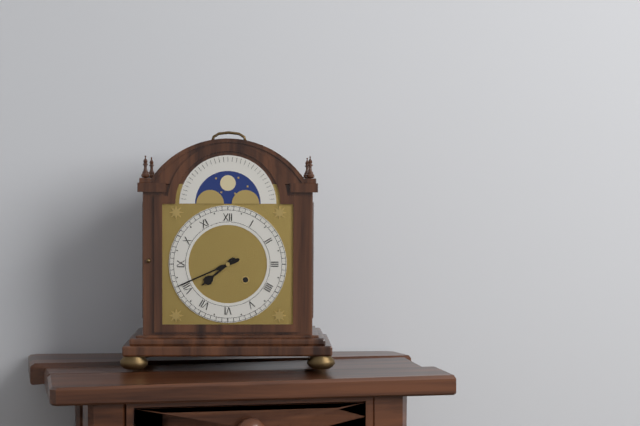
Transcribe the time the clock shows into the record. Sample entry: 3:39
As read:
7:41
